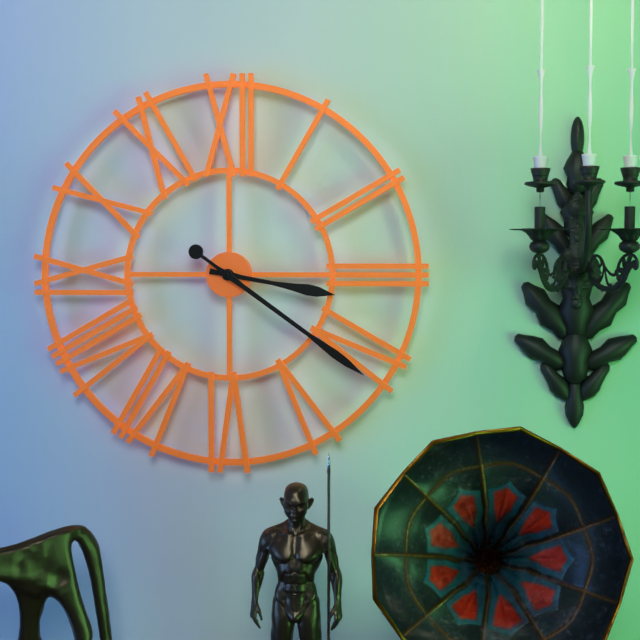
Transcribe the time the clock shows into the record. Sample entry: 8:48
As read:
3:21
